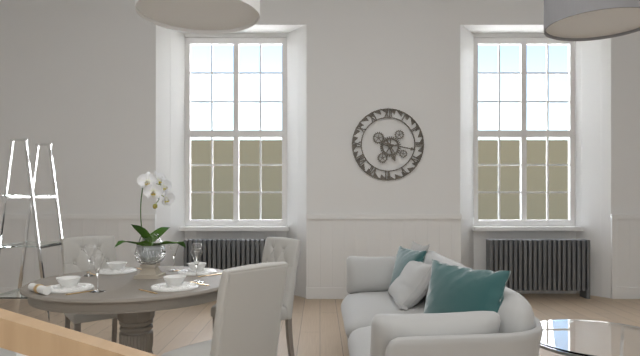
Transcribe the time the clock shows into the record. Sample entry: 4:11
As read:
5:17
